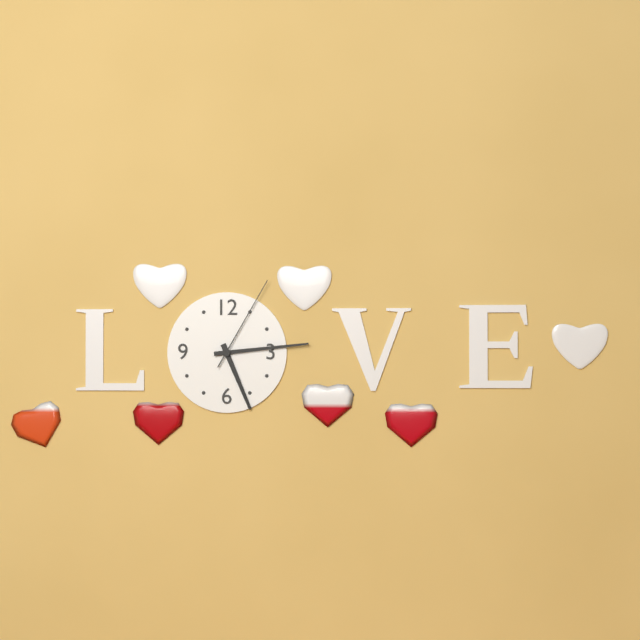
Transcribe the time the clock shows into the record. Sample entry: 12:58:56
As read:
5:14:05
